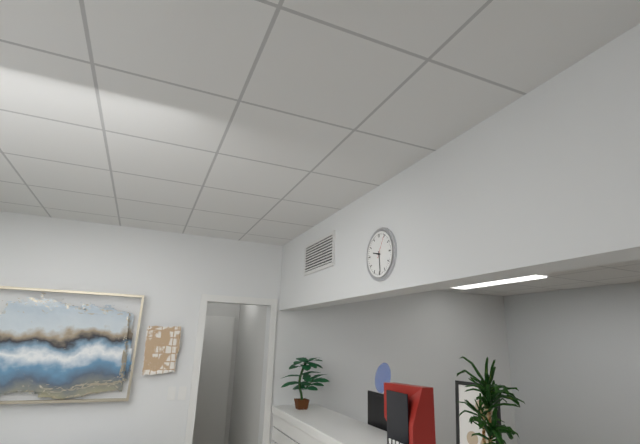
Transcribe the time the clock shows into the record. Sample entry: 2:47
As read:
9:29
